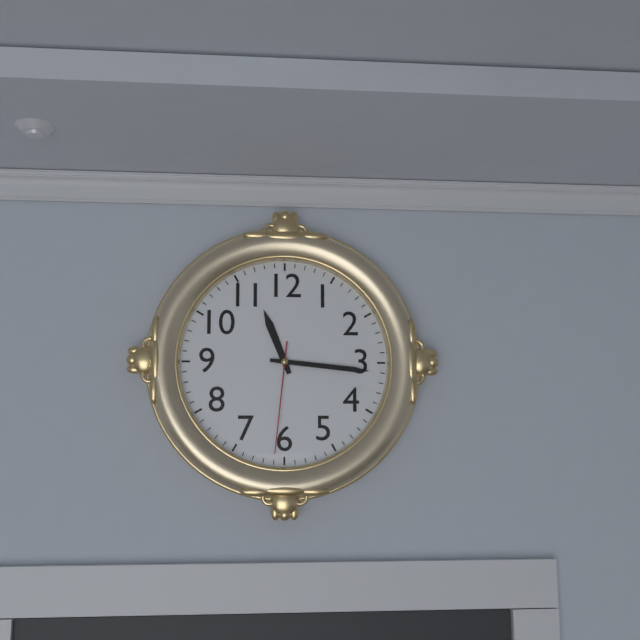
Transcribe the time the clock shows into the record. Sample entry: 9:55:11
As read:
11:16:31
